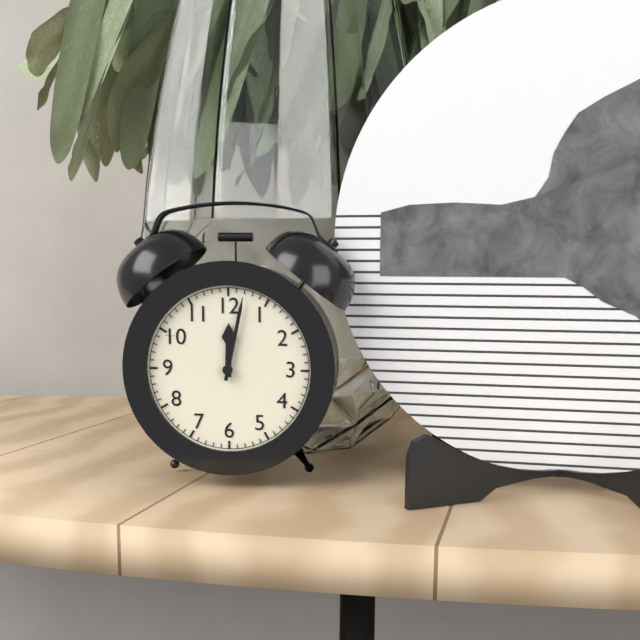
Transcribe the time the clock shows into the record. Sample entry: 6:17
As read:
12:02
